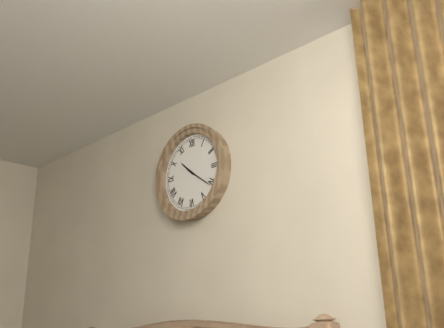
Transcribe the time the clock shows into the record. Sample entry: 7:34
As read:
10:21
